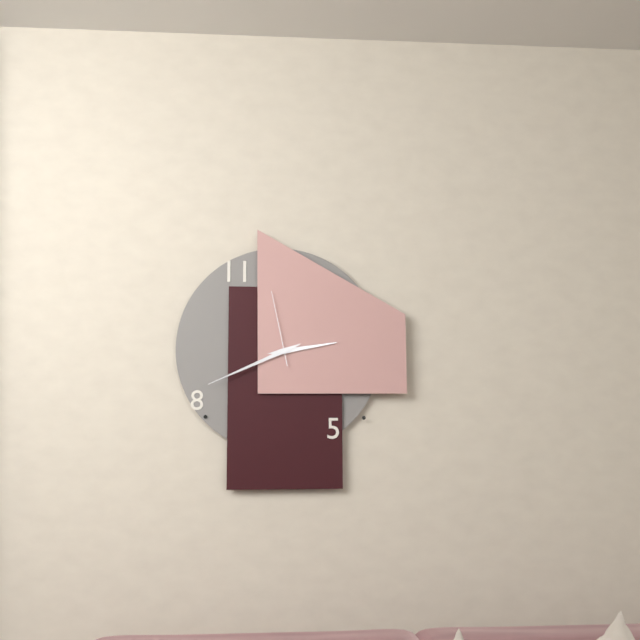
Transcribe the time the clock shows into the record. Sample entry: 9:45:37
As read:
2:41:58
